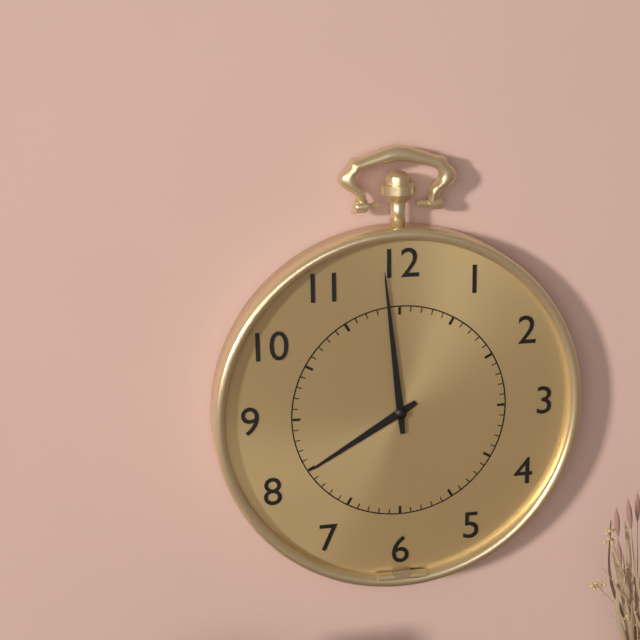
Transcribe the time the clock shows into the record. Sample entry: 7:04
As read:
7:59
